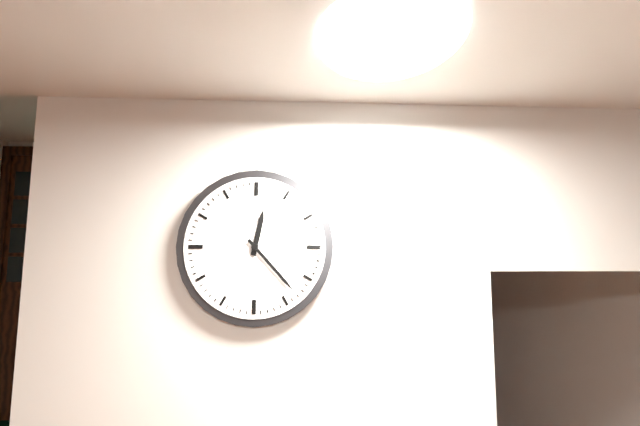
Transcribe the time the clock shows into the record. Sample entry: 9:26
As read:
12:23
